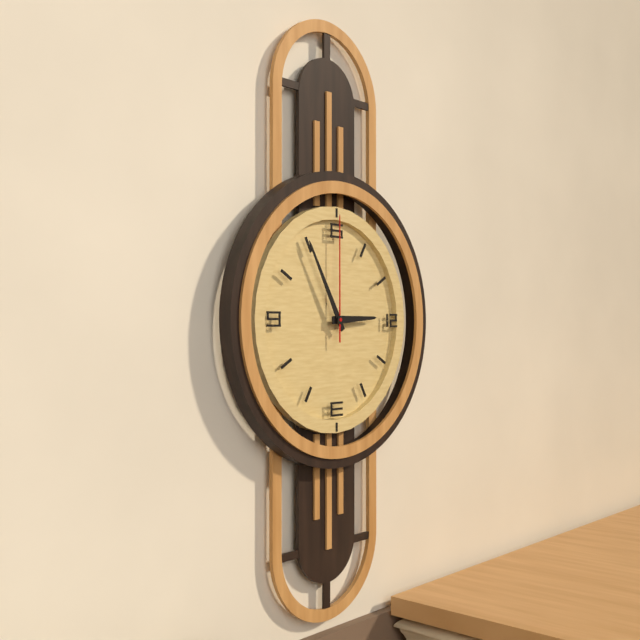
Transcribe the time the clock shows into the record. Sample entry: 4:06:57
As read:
2:55:00
